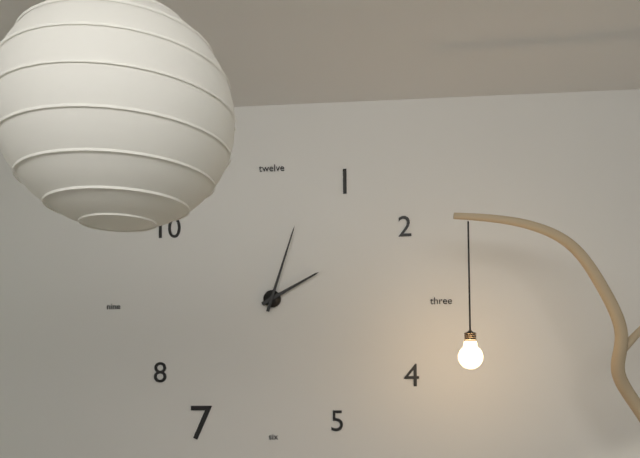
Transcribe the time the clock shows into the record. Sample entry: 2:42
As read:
2:03
